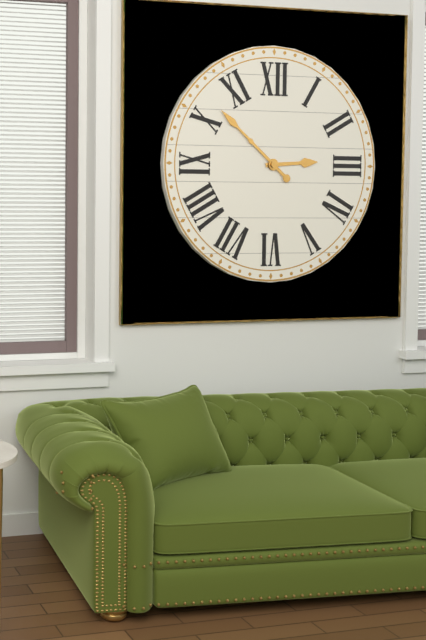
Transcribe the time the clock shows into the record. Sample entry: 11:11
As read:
2:52
